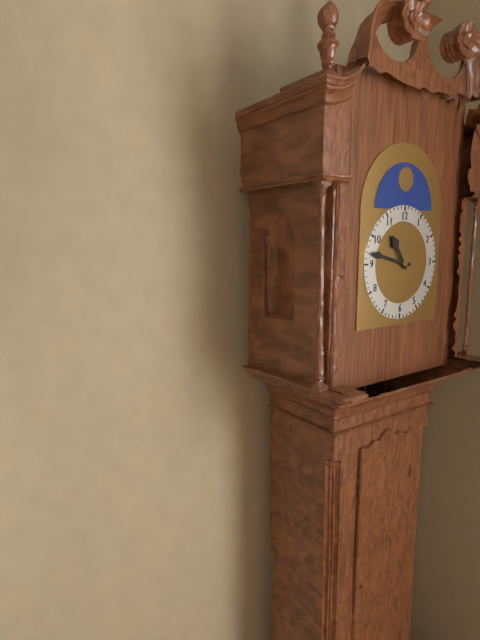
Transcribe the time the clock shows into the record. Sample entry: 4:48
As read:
10:47
